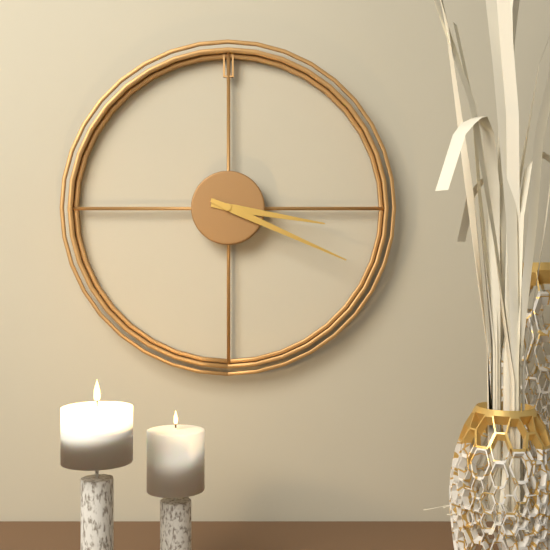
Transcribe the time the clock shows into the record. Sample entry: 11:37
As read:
3:19
